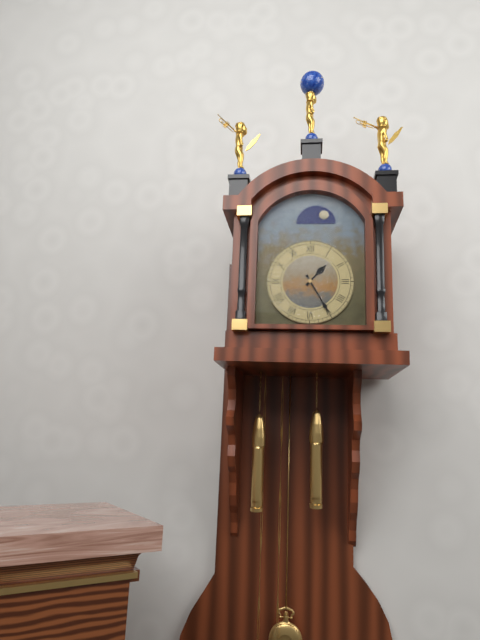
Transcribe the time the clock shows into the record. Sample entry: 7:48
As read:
1:25
